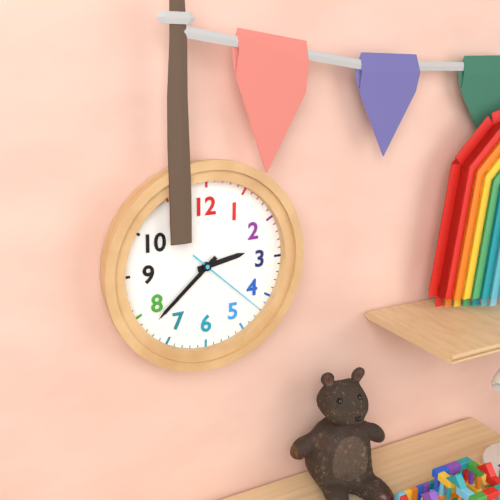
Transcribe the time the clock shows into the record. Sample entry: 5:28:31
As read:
2:38:22
